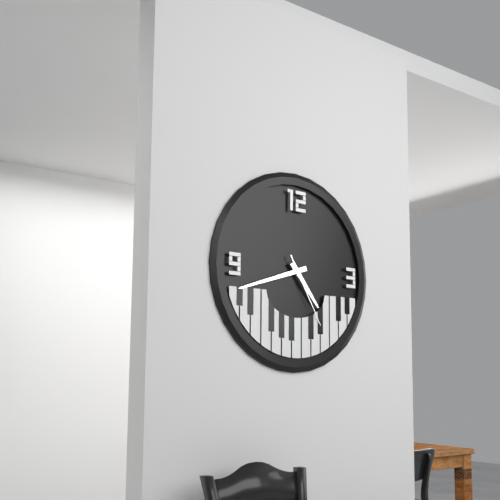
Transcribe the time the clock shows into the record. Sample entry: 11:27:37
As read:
4:42:25
